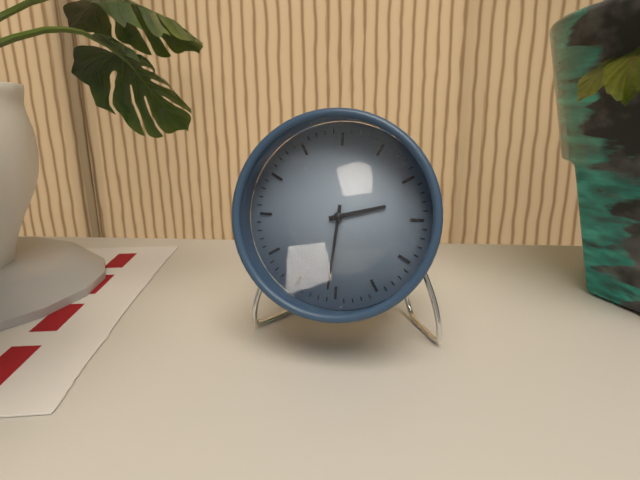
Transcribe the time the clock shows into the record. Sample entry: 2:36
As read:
2:31
